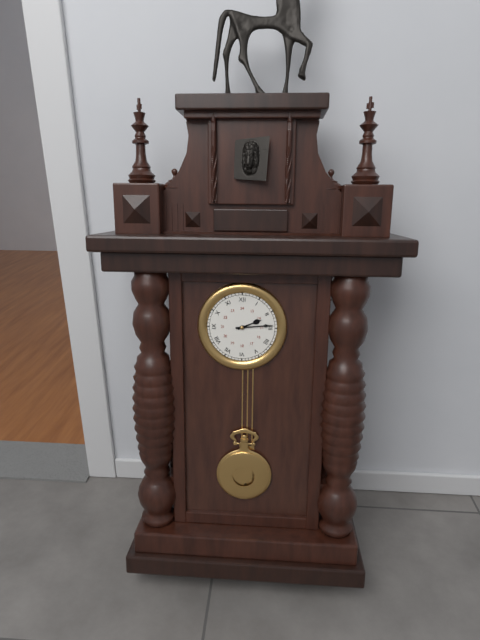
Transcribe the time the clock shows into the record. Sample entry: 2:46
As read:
2:14
